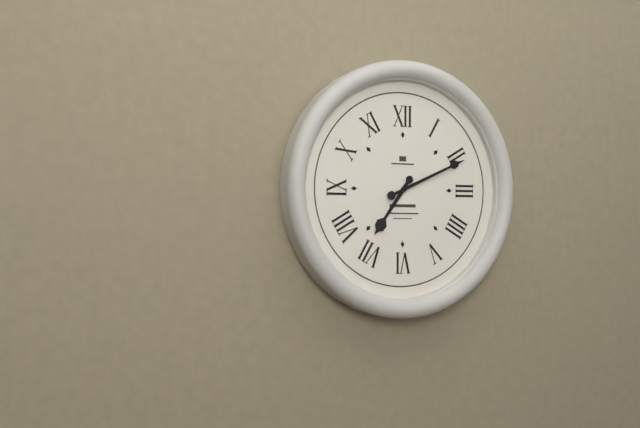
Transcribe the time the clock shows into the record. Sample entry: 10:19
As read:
7:11
